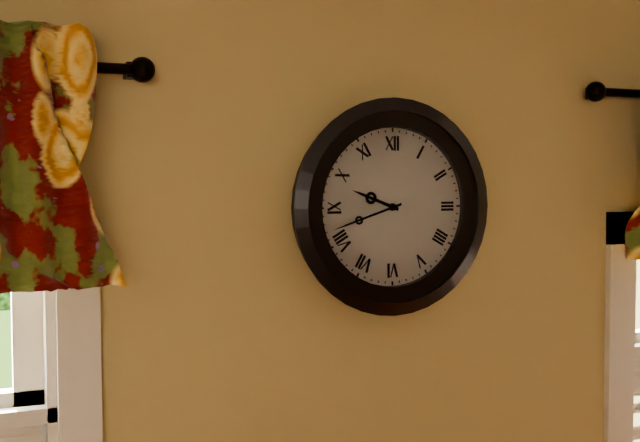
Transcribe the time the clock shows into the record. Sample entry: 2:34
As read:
9:42
